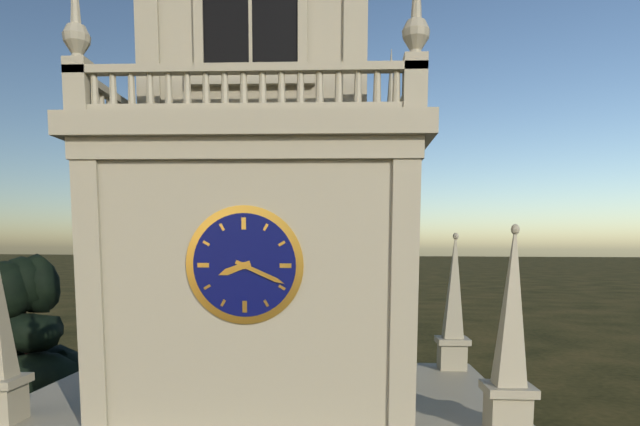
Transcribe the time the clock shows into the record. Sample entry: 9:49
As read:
8:19
